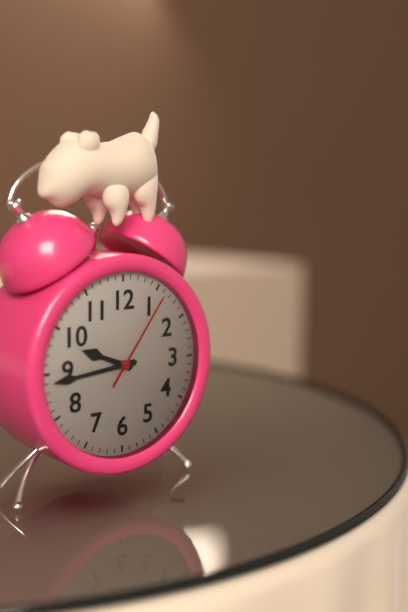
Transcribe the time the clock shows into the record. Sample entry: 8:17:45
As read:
9:44:06
